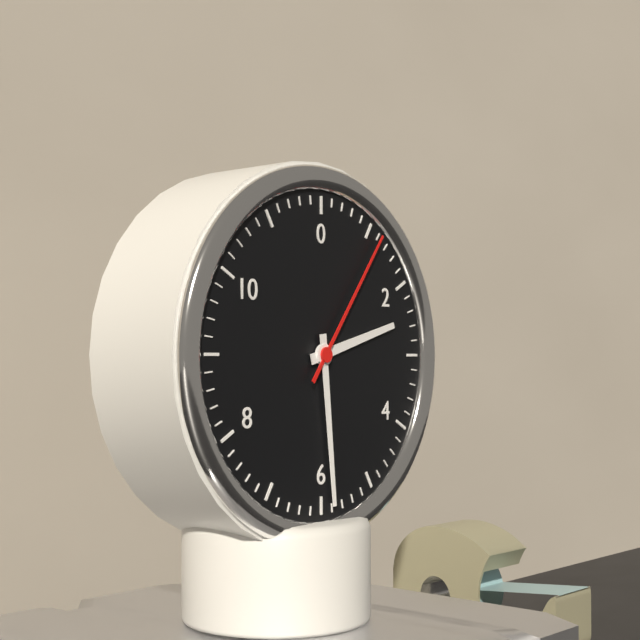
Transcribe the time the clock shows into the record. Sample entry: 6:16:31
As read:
2:29:06
